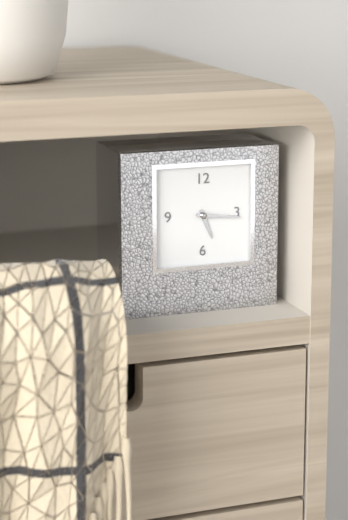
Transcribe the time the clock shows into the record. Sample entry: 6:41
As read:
5:16
